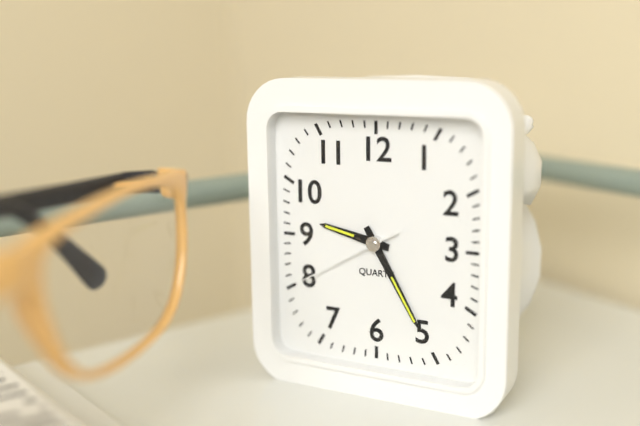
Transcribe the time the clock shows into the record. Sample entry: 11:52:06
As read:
9:25:40
